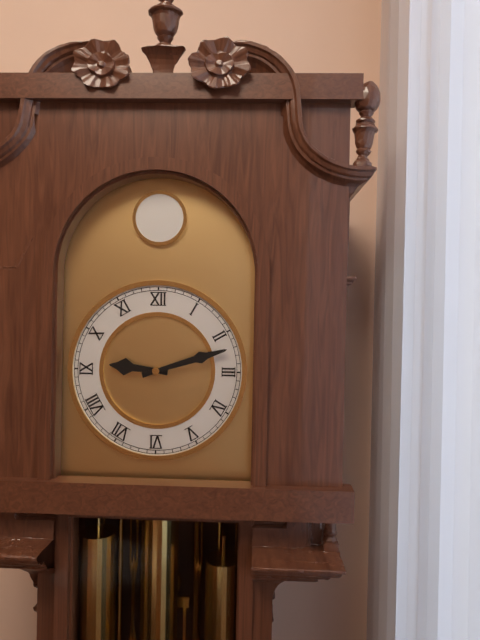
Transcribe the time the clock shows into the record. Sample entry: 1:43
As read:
9:12
